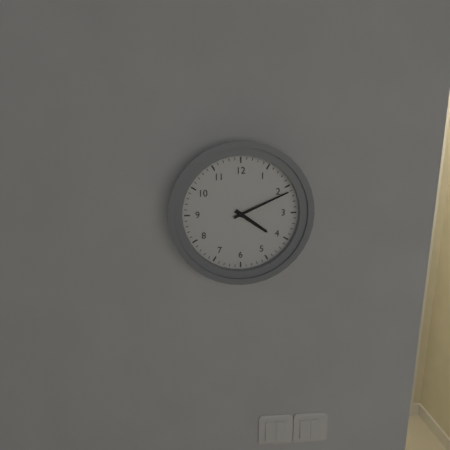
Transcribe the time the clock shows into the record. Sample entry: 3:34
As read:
4:11
